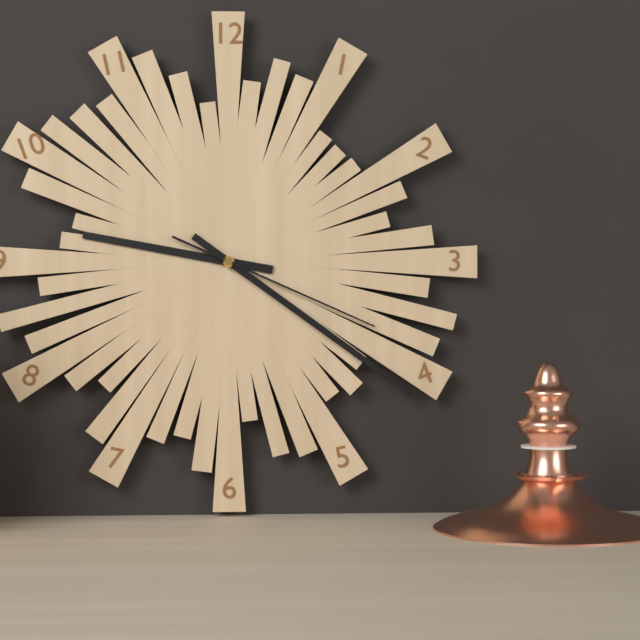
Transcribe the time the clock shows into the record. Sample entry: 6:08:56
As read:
9:21:19
